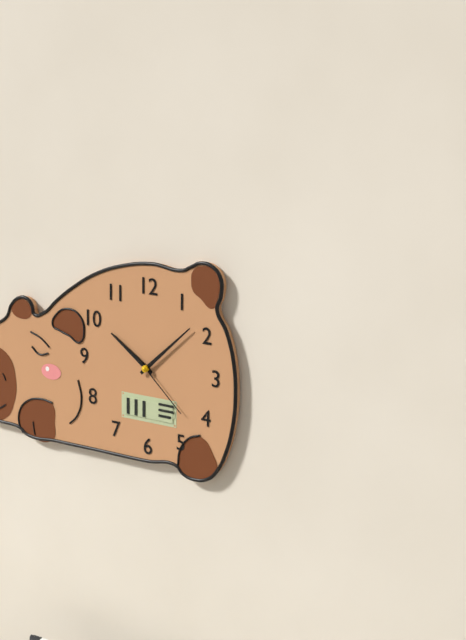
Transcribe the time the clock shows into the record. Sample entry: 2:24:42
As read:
10:08:22
